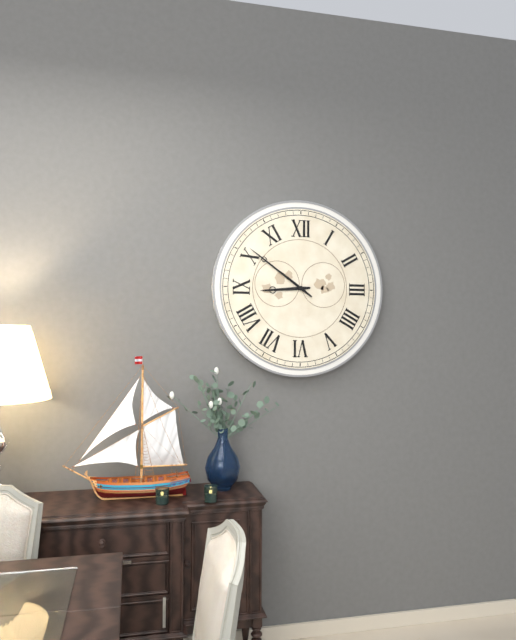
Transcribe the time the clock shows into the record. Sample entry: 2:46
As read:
8:51
